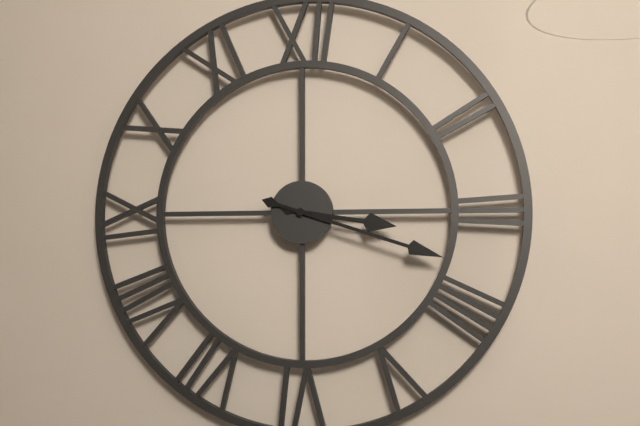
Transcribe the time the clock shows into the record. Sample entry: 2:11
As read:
3:18
